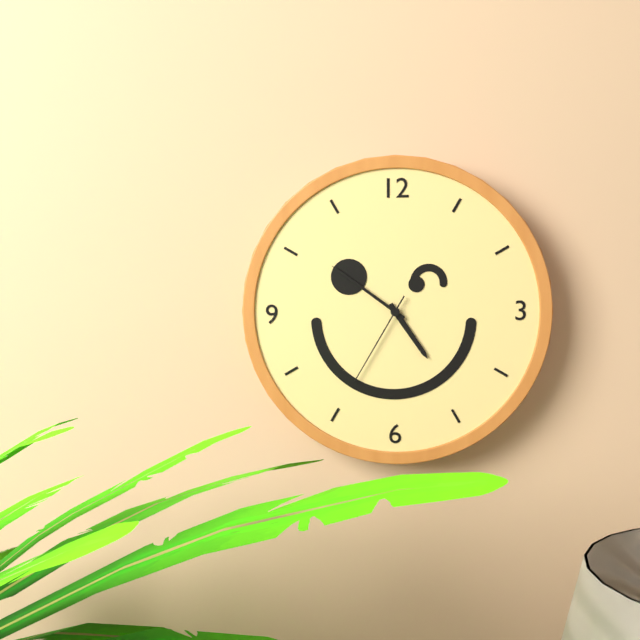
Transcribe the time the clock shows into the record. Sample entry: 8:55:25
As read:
4:51:35
